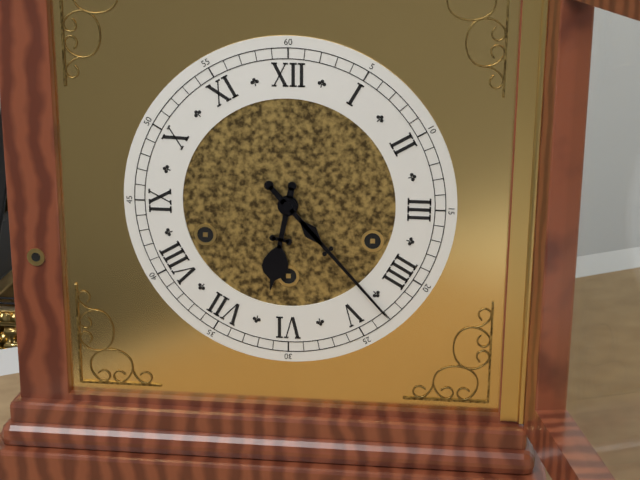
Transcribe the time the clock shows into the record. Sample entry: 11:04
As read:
6:23
